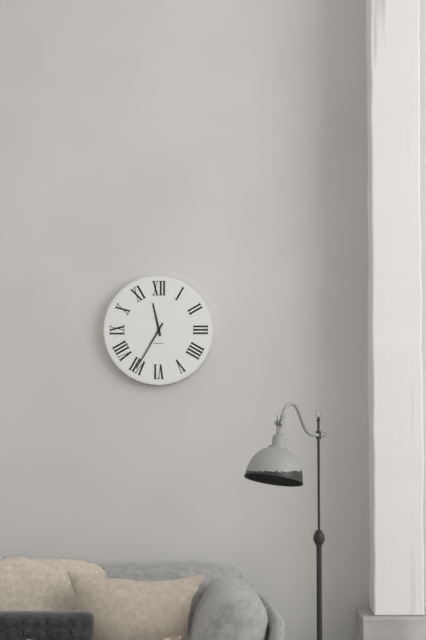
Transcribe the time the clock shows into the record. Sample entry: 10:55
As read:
11:35
